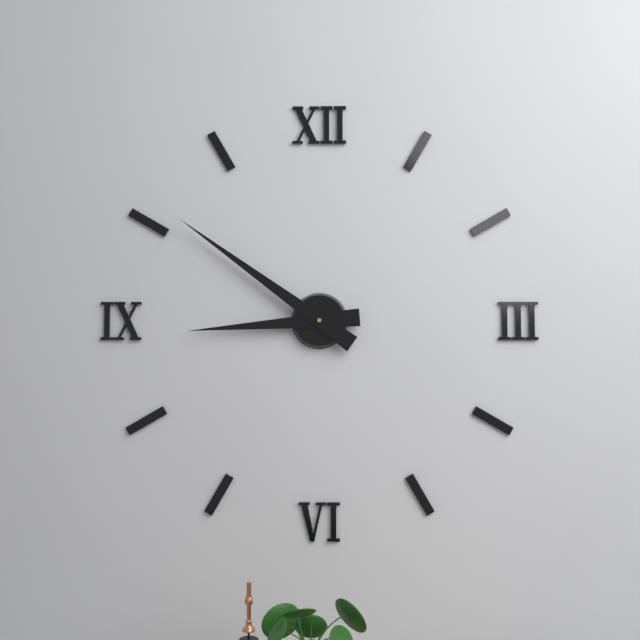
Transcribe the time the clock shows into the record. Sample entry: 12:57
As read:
8:51
